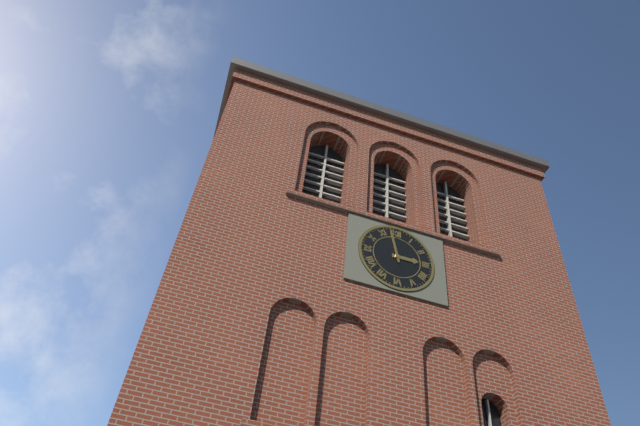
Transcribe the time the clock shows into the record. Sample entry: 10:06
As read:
2:58
